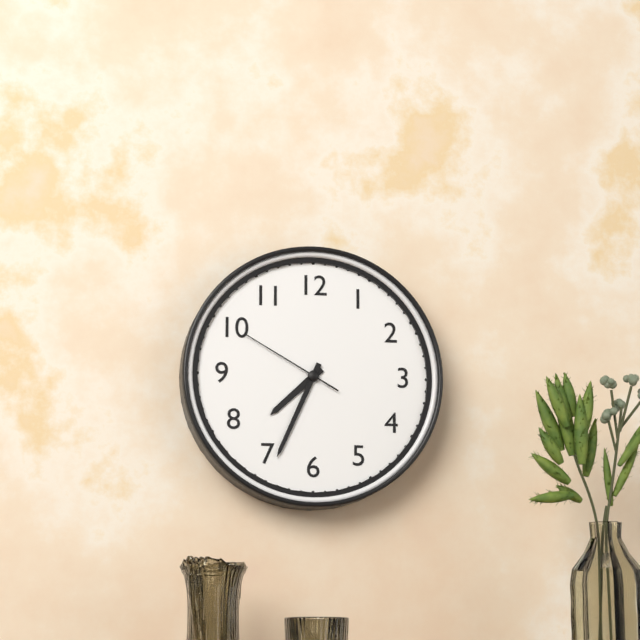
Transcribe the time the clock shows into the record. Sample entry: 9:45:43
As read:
7:34:50
